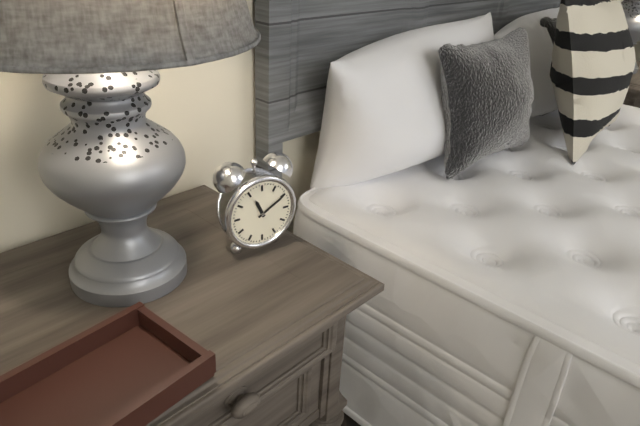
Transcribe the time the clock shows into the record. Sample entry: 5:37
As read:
11:10
